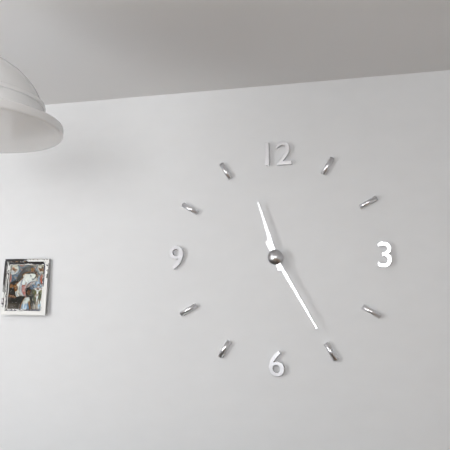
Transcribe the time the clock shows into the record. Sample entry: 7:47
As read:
11:25
